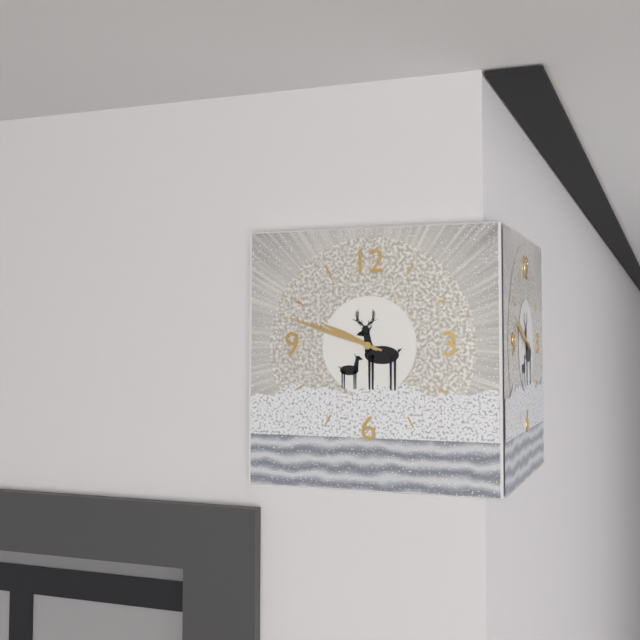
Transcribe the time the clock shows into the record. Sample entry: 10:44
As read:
9:48
